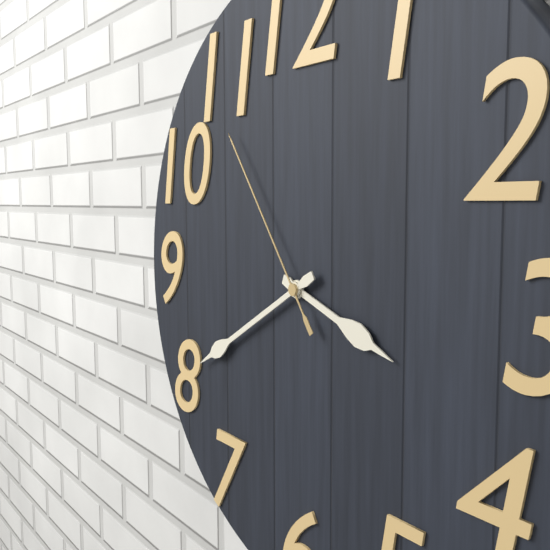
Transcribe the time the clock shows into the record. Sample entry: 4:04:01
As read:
3:40:54
